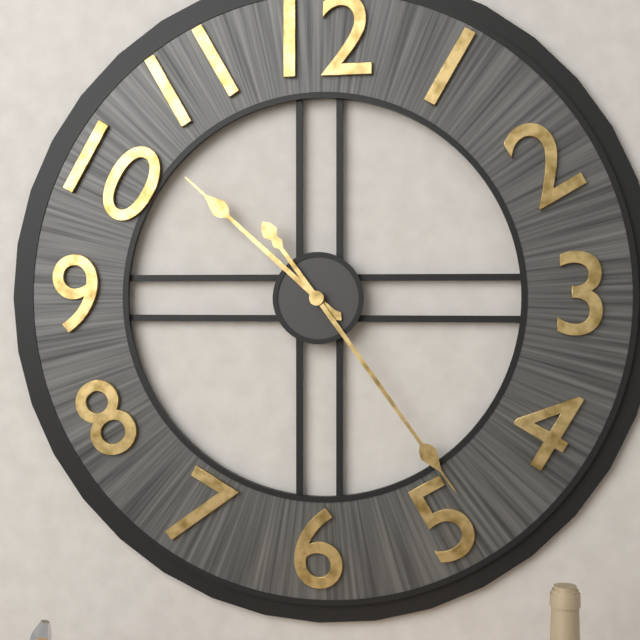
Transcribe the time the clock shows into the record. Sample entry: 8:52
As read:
10:24
